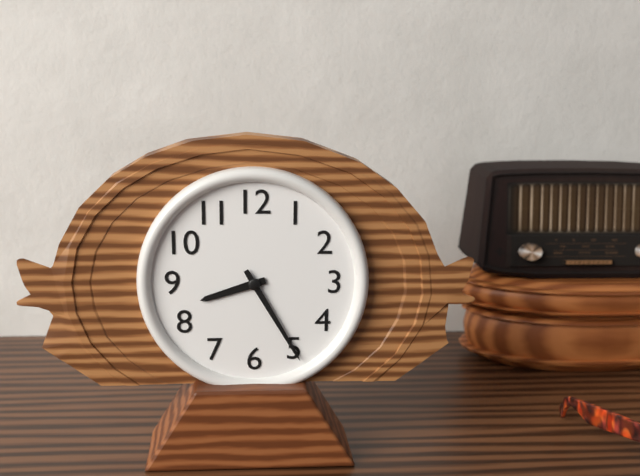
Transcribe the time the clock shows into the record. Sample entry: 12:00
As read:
8:25
